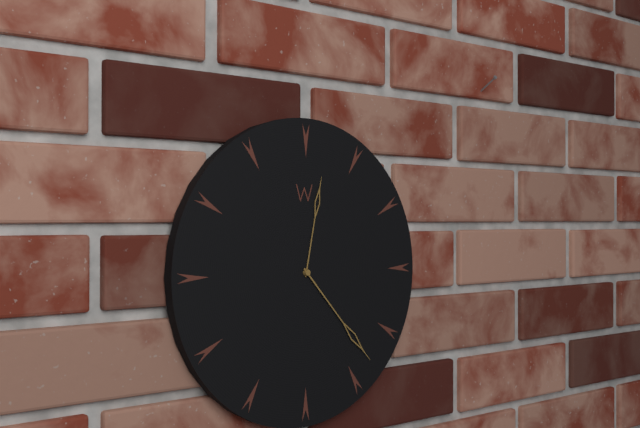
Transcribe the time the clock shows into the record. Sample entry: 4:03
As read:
12:23
